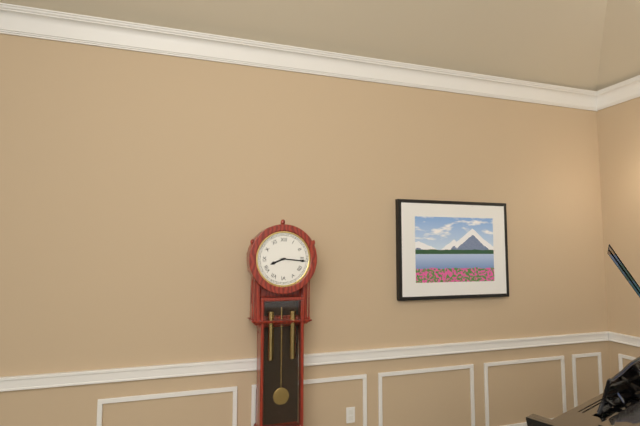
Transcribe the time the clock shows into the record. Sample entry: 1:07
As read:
8:16
